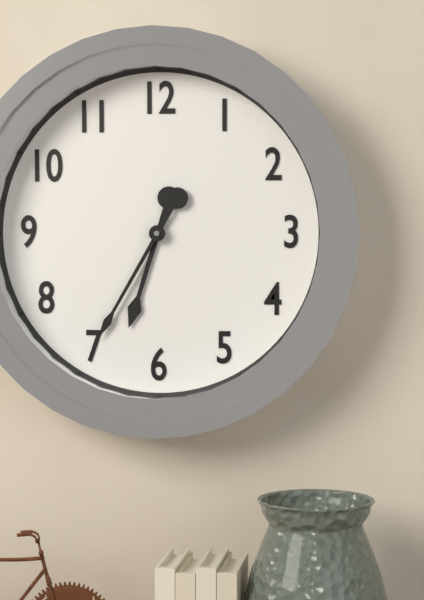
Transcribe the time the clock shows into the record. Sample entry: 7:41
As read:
6:35
